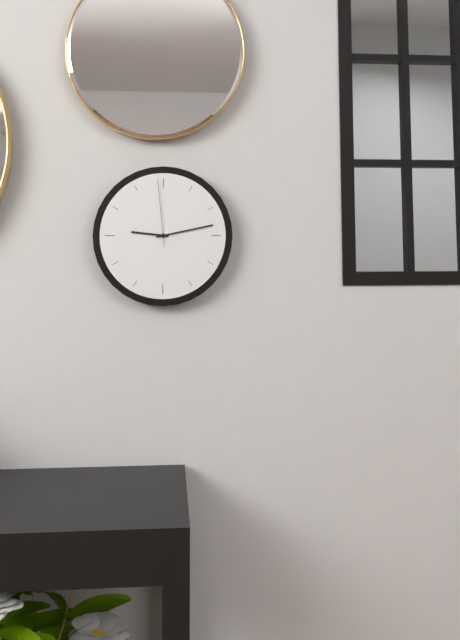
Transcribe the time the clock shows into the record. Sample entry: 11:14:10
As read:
9:13:59
